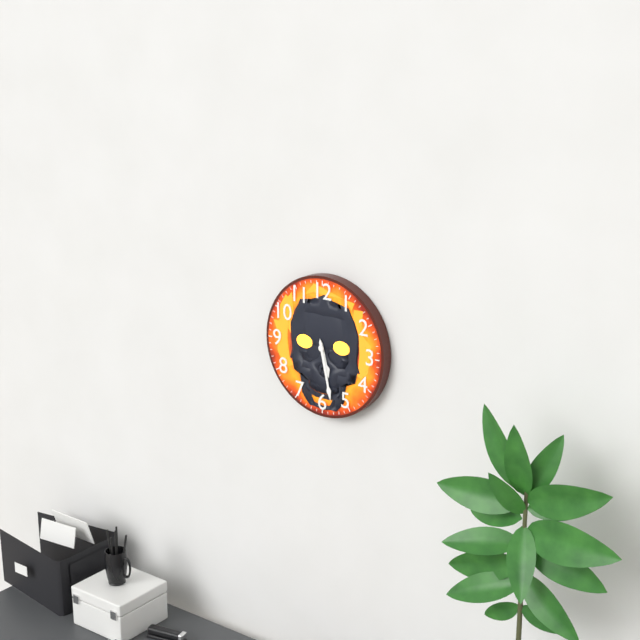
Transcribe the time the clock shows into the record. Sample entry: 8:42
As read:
5:28
